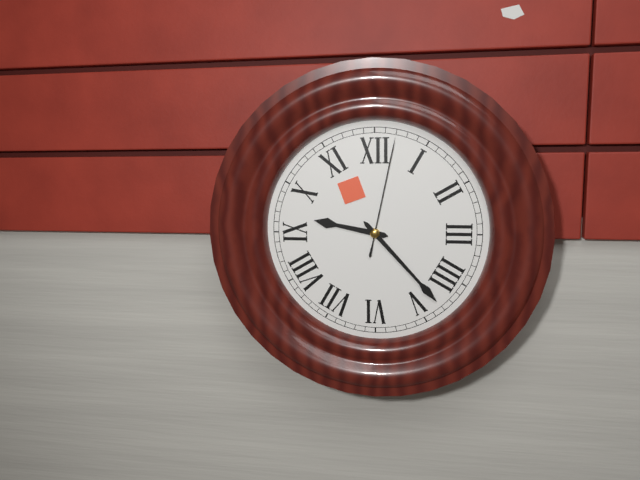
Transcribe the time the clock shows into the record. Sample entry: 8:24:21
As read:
9:23:02
